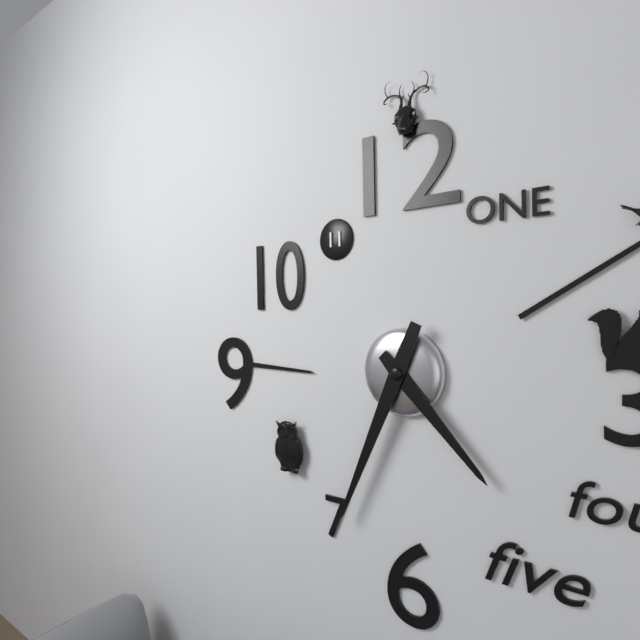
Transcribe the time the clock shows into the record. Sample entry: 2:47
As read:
4:34
